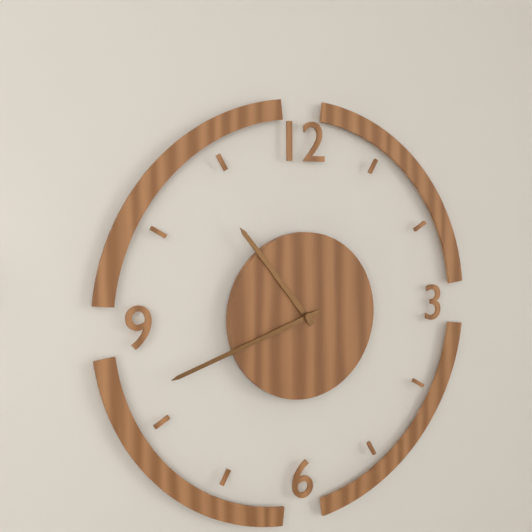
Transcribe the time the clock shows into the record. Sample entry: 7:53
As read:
10:42
